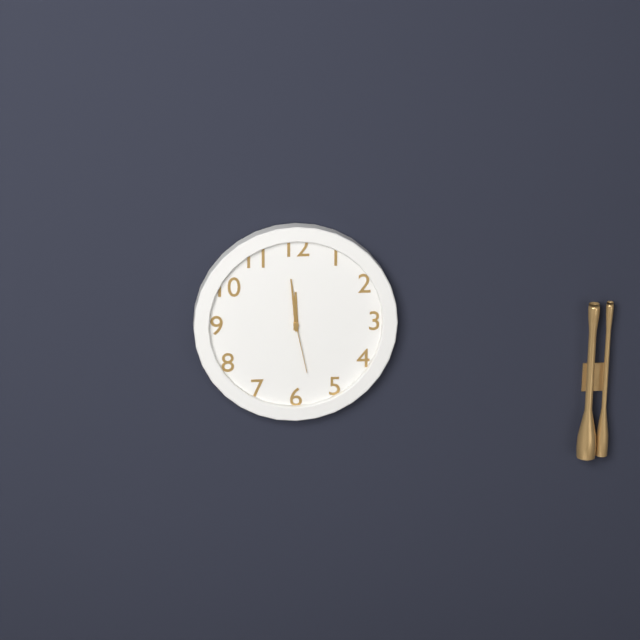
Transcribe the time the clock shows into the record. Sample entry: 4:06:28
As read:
11:59:28
